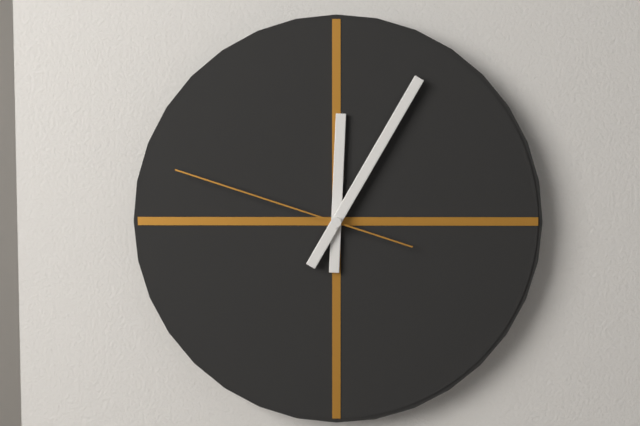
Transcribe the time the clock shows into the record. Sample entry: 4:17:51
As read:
12:05:48
